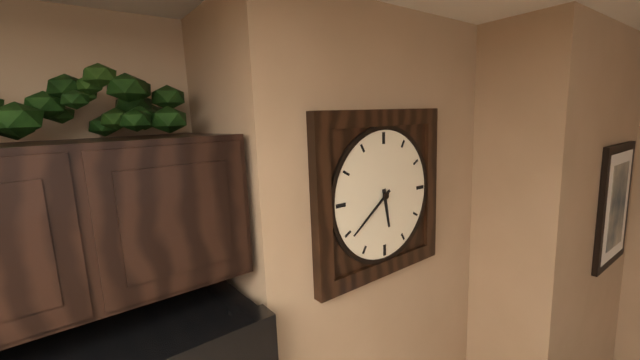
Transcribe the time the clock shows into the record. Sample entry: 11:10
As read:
5:39
